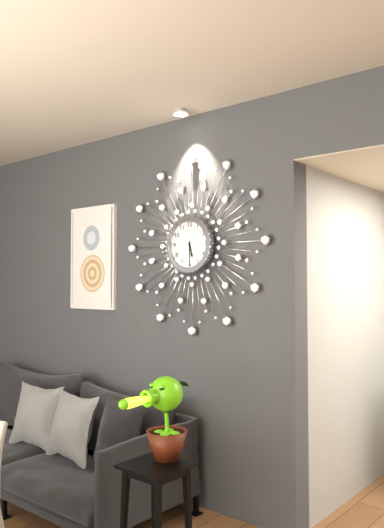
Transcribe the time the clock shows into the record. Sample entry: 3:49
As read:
5:30
